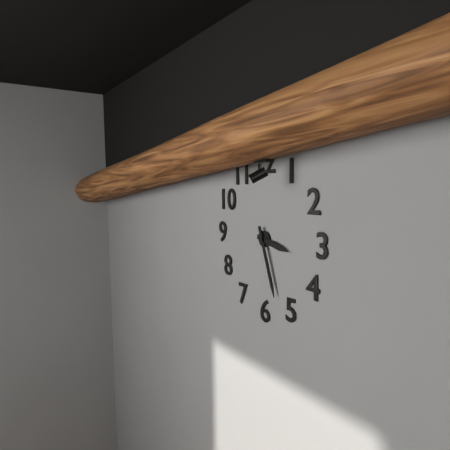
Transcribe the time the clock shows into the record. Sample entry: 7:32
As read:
3:27
